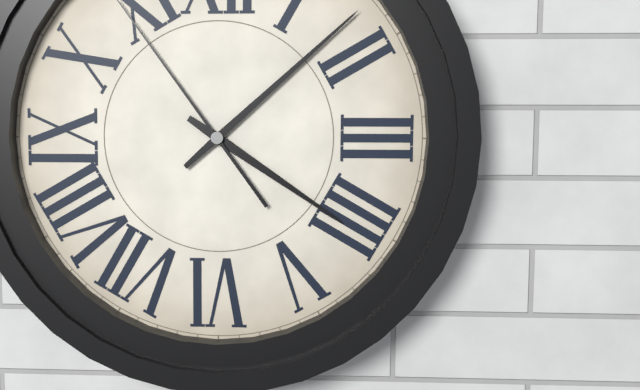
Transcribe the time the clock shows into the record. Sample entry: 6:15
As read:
4:08
